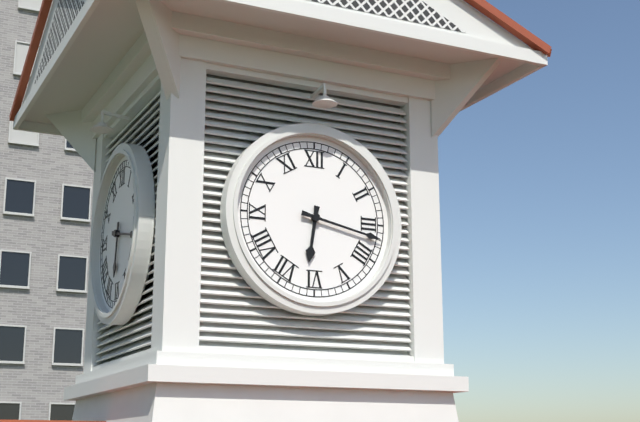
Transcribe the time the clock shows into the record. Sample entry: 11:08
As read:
6:17
